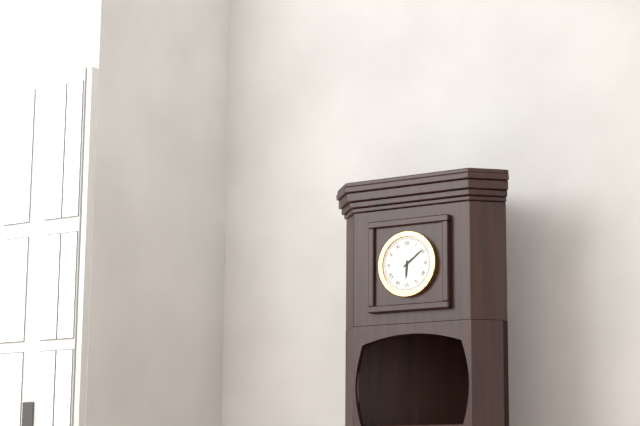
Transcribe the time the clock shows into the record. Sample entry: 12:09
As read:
6:09
